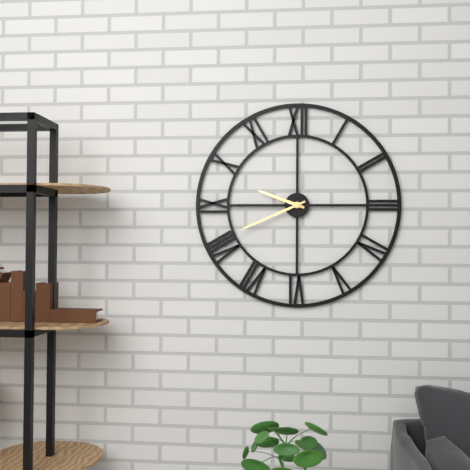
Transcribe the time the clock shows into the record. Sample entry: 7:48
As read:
9:41
